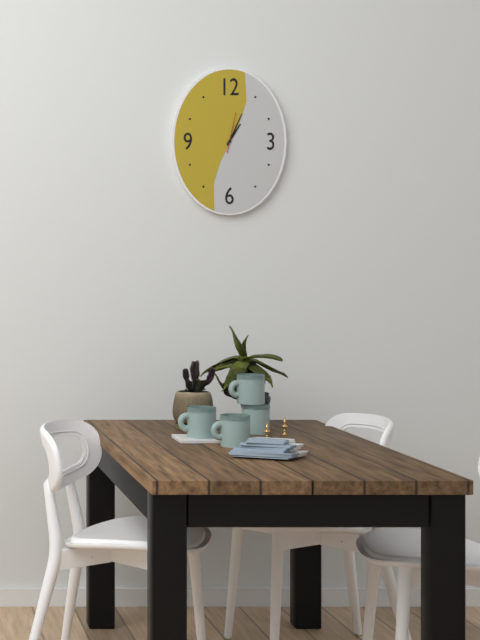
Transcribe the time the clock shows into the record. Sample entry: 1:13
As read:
1:04
